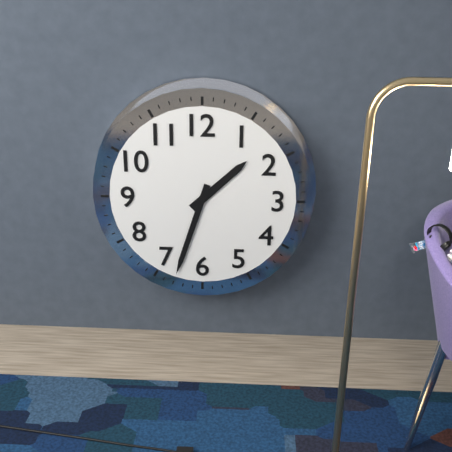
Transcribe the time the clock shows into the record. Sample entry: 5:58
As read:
1:33
